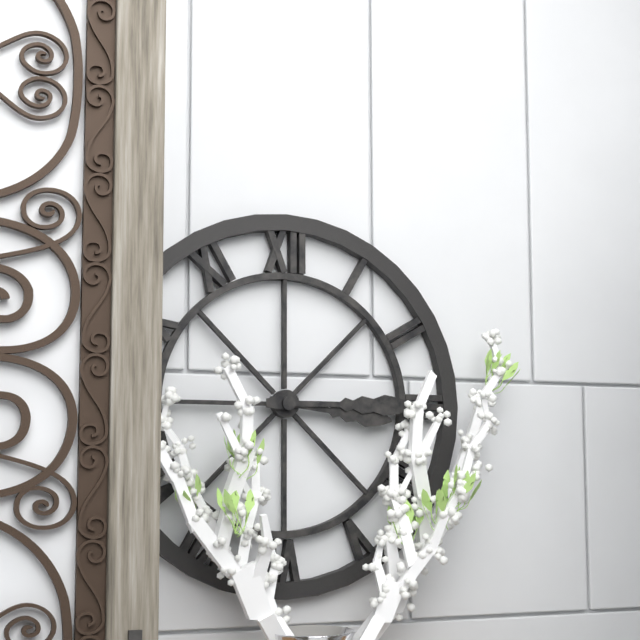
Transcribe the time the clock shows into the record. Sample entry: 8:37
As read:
3:15
